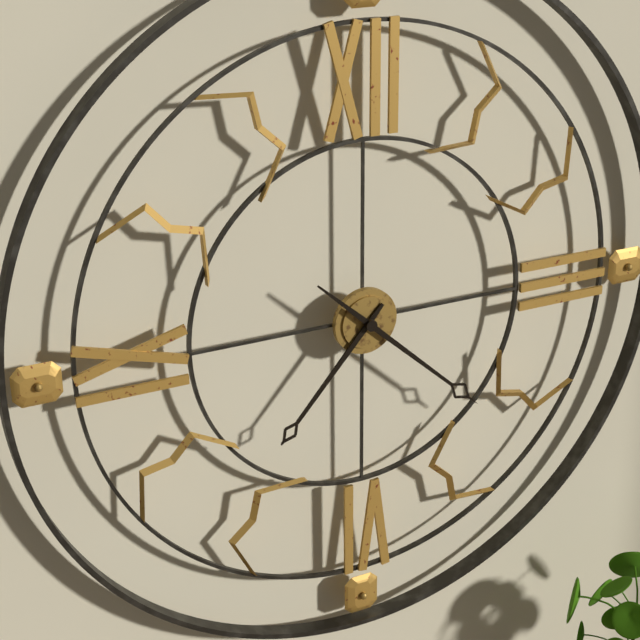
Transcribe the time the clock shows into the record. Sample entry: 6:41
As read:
7:22
